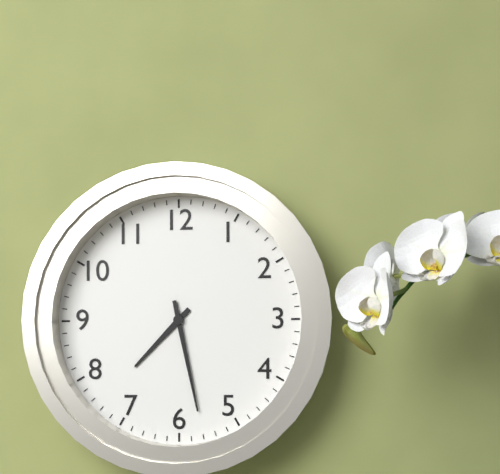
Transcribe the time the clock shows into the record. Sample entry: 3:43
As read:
7:28
